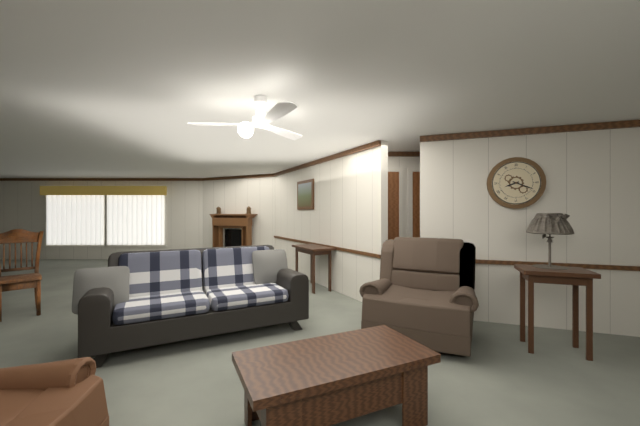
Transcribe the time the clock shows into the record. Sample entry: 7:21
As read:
8:19
